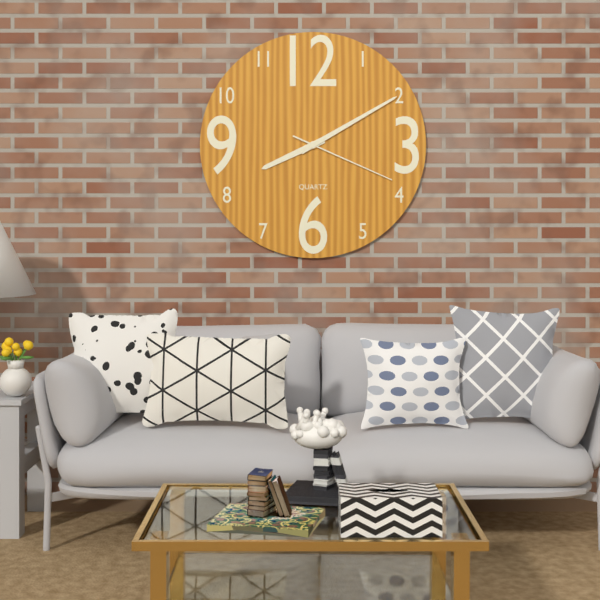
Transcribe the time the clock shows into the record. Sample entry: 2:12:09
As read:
8:10:19
